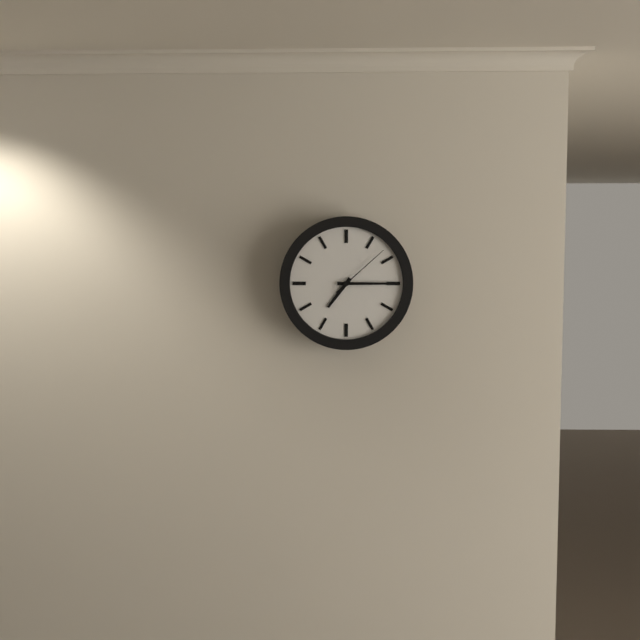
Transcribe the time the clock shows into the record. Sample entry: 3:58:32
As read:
7:15:08
